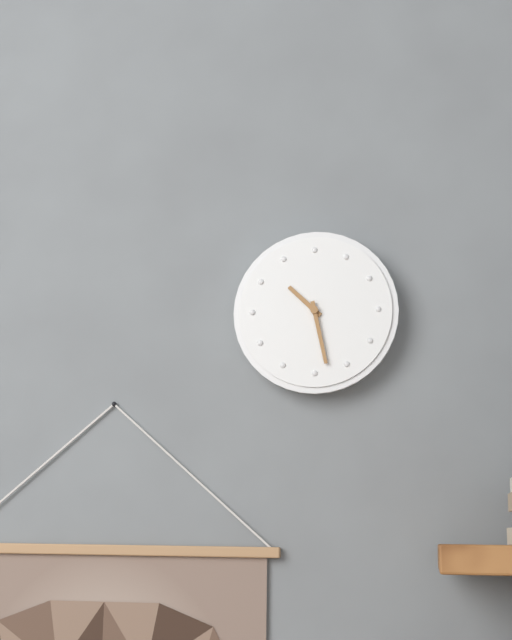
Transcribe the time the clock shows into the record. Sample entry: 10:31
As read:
10:28
